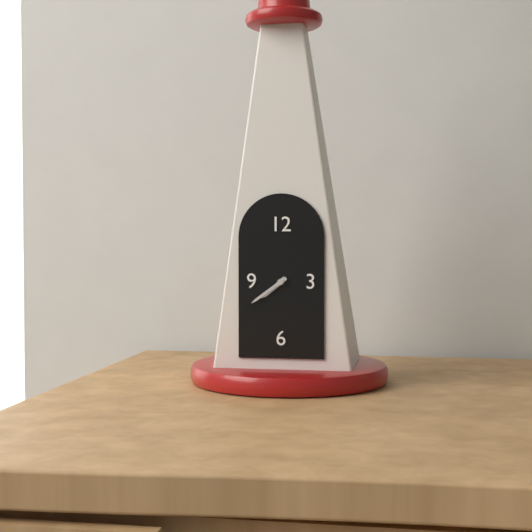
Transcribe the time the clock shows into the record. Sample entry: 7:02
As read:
7:39
